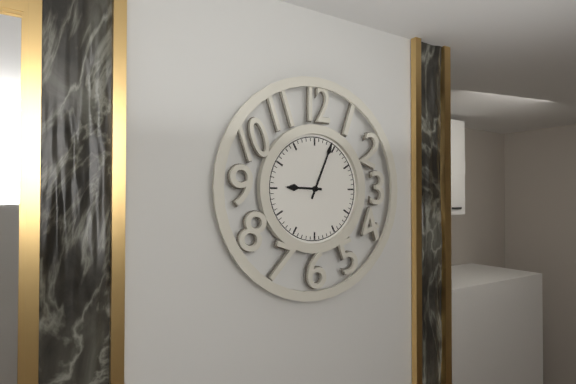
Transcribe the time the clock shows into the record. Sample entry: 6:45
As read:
9:04
